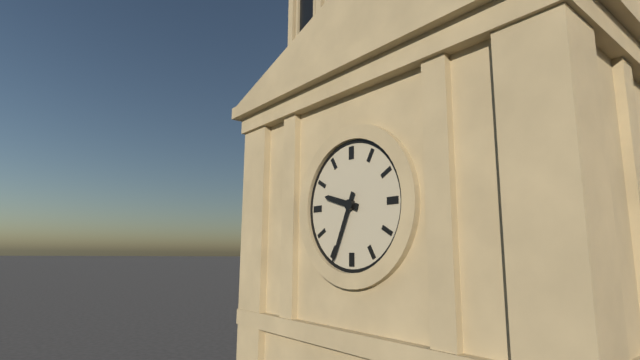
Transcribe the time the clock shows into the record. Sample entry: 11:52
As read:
9:34
